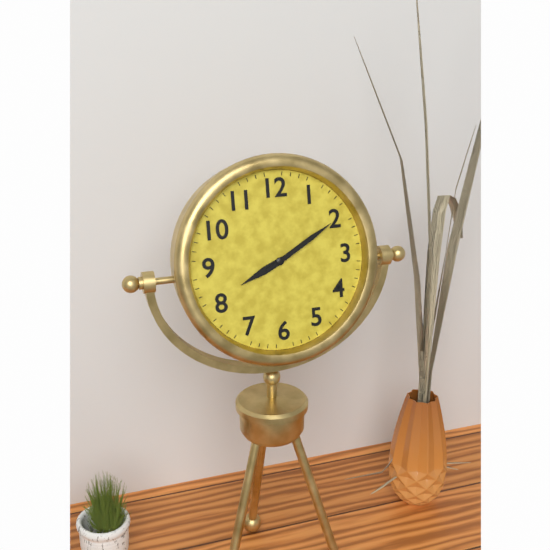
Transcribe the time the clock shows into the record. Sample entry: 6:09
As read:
8:10
